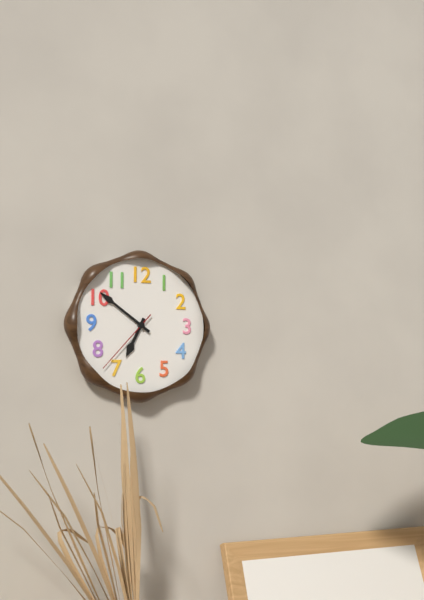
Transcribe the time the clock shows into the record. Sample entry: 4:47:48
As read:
6:51:37
